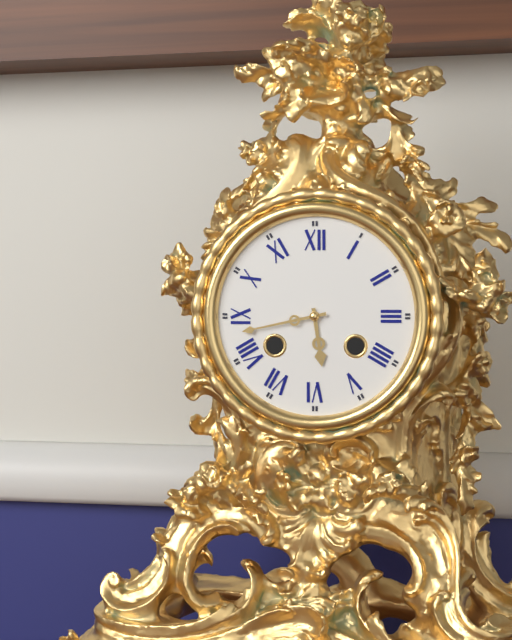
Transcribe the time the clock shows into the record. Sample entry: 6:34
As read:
5:43
